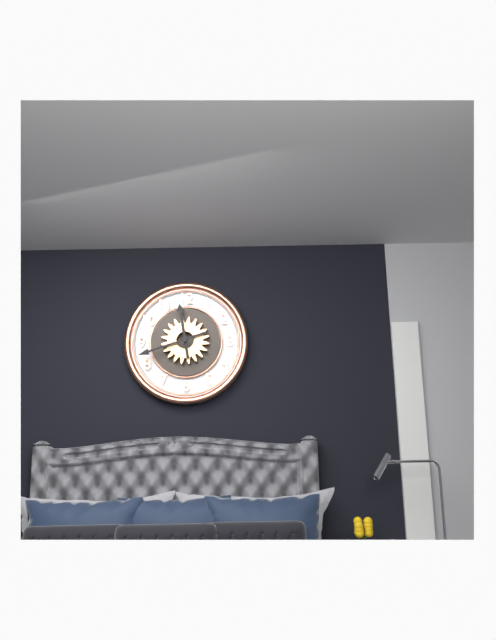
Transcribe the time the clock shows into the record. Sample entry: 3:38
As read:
11:42
